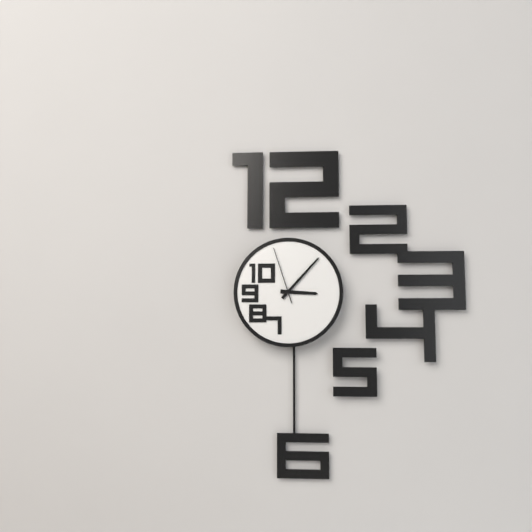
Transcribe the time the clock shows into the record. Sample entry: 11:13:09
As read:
3:07:57
